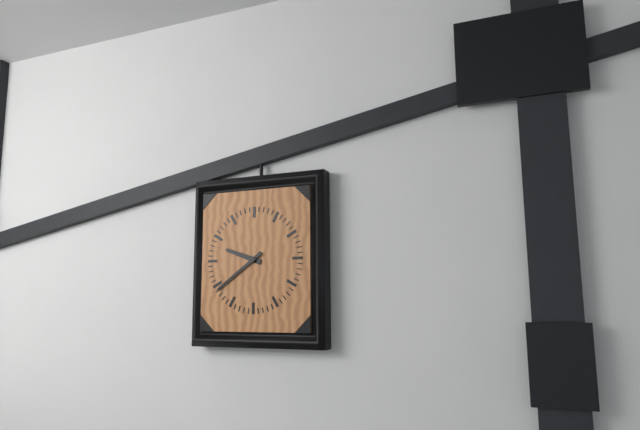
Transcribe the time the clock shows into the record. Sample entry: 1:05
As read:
9:39
